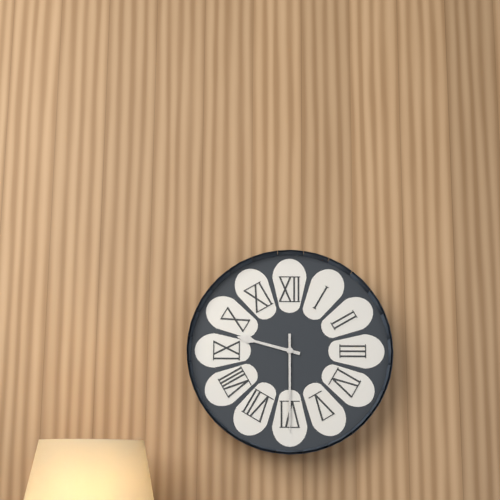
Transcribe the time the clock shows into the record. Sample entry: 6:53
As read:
9:30
